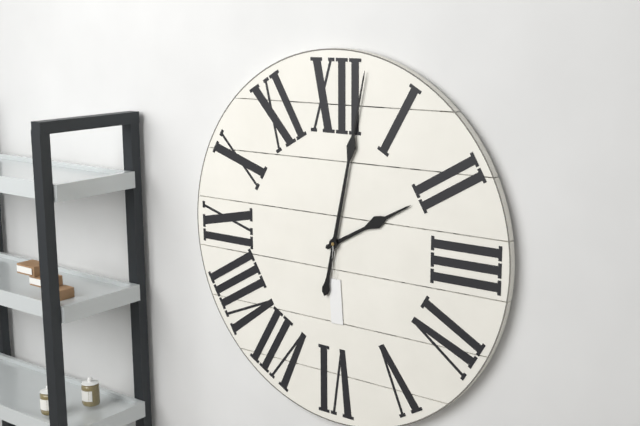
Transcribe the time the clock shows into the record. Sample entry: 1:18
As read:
2:02
